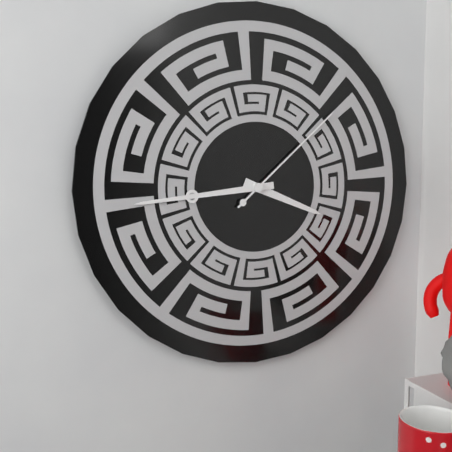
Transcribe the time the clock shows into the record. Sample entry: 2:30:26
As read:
3:44:08
